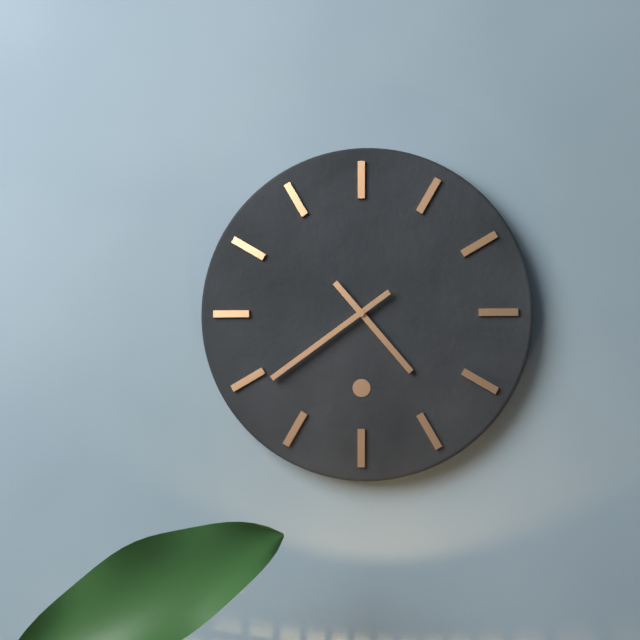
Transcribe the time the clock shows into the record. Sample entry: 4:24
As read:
4:39
